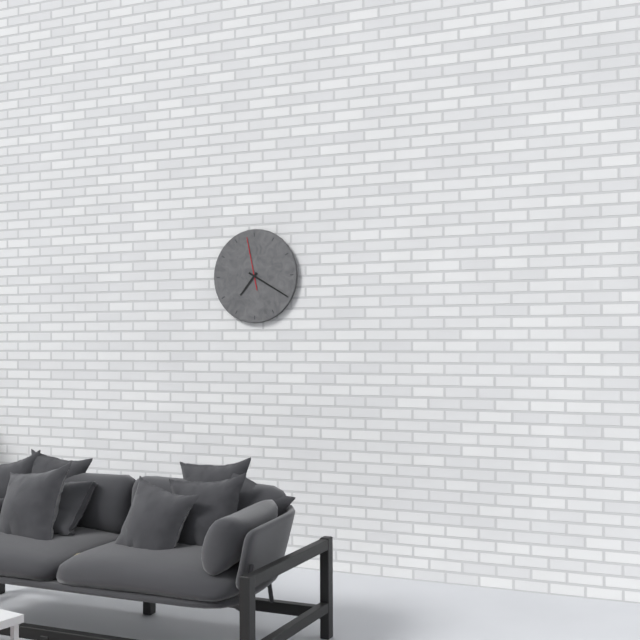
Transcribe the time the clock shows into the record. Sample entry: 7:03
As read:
7:20
